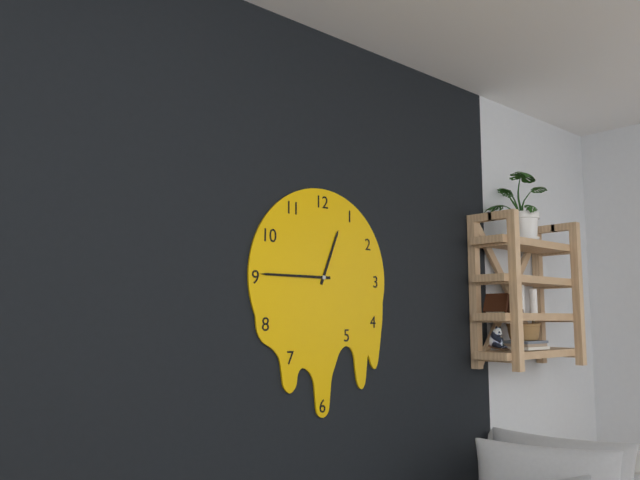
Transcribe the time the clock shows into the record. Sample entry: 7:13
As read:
12:45
